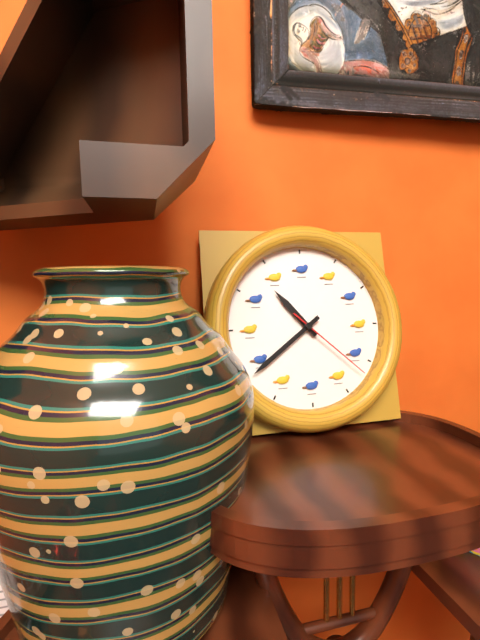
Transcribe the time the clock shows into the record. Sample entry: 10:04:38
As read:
10:39:22
